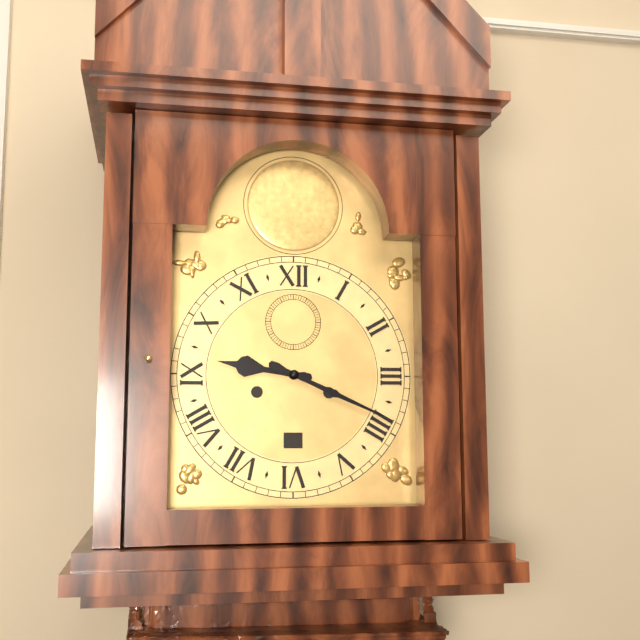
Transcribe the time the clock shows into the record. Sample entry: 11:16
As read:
9:19
